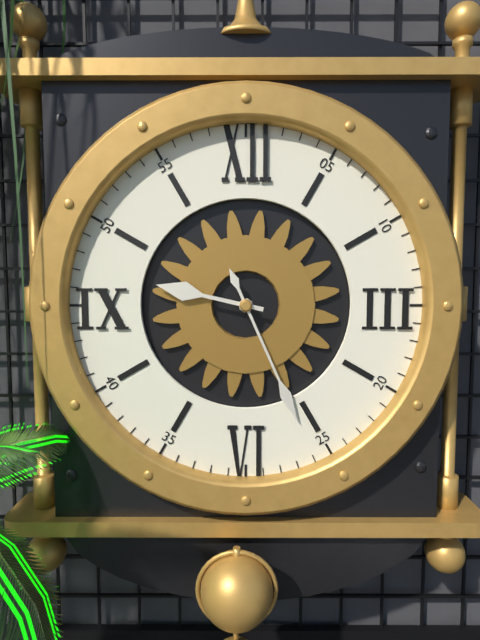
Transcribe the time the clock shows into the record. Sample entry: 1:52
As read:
9:26
